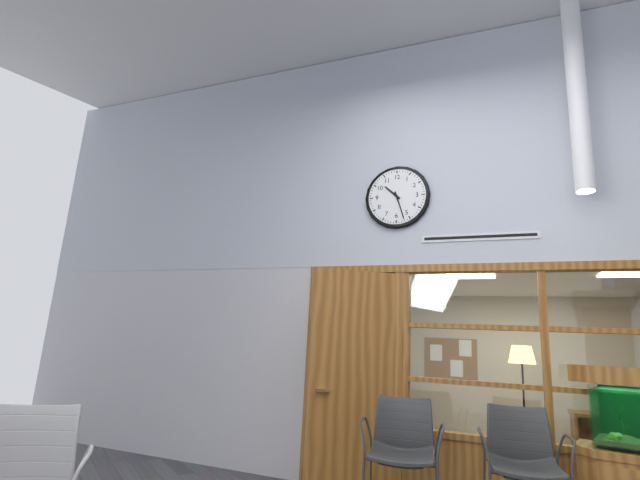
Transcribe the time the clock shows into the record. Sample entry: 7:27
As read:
10:27
